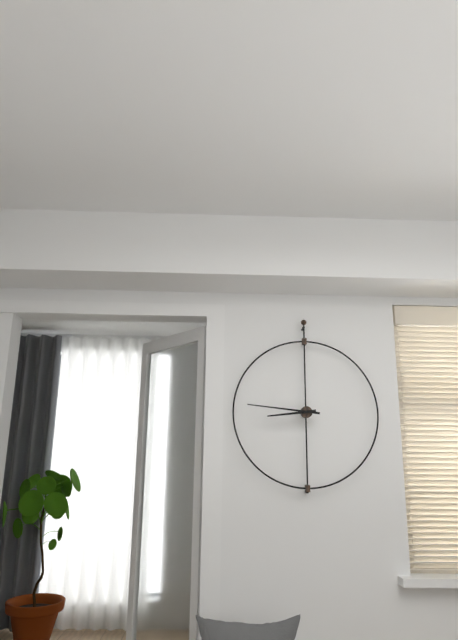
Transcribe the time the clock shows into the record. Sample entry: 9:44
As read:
8:46
